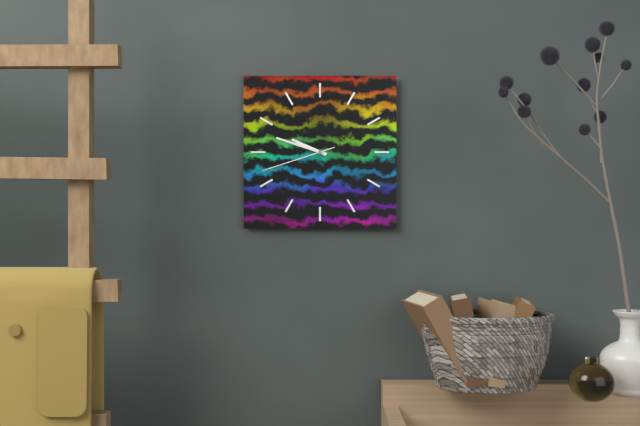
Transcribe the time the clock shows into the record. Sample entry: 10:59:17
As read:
9:48:42
